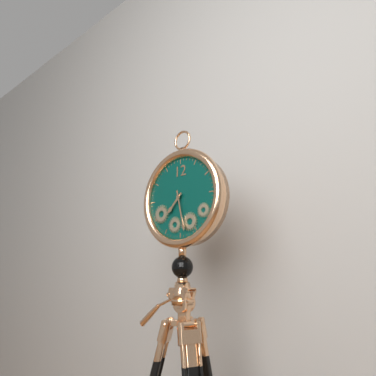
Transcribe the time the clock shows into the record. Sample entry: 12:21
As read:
7:28
